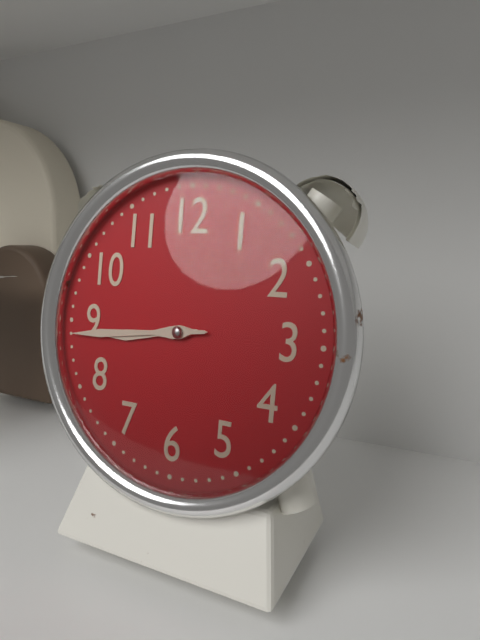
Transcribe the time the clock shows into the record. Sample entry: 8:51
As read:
8:44
